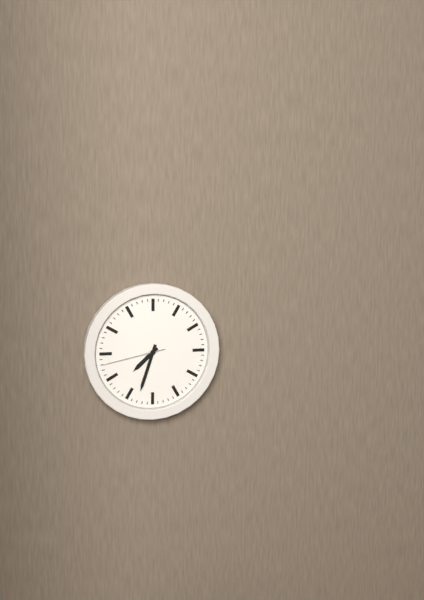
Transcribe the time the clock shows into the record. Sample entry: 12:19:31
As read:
7:33:43
